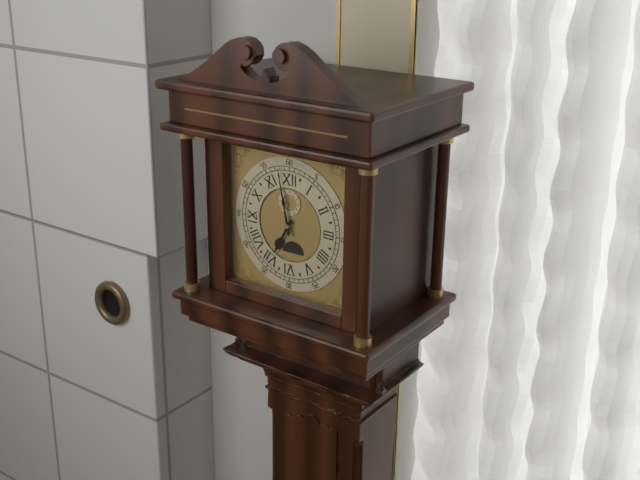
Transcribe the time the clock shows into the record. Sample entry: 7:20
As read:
6:58
